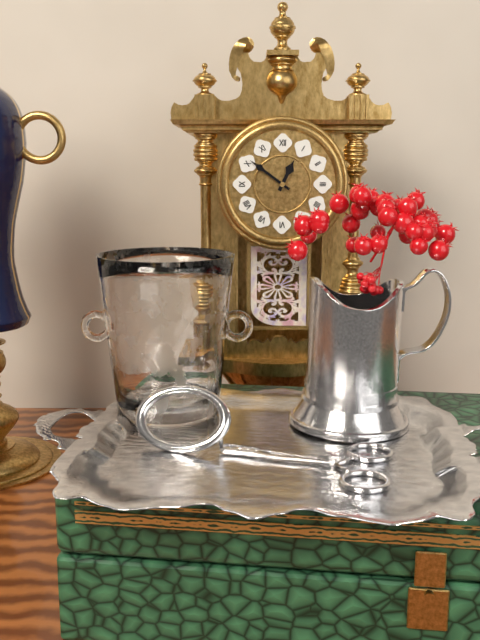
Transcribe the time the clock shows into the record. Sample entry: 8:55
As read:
12:51
